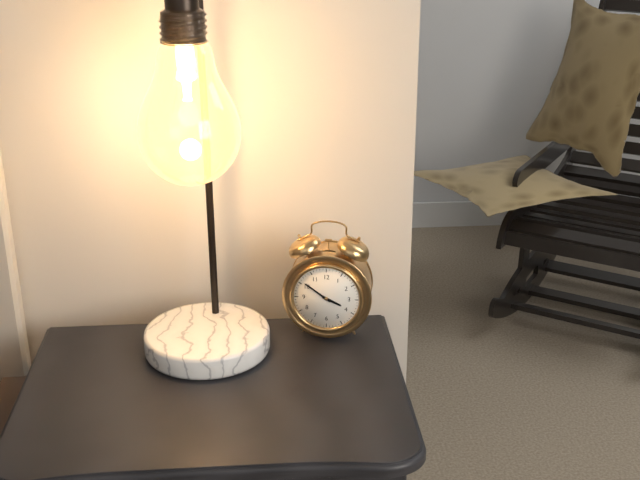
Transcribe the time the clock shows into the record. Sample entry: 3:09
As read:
3:51
